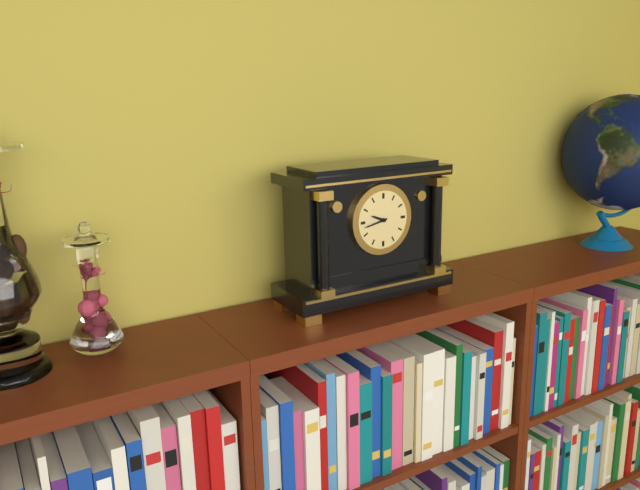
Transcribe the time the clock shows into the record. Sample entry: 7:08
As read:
9:43
